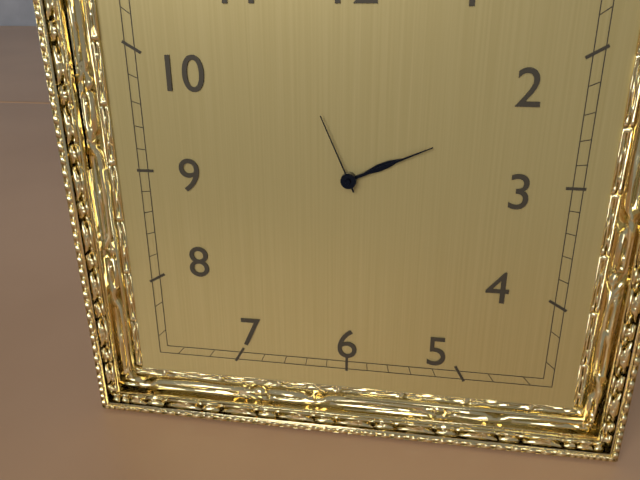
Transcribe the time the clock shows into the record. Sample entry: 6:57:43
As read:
2:11:56
